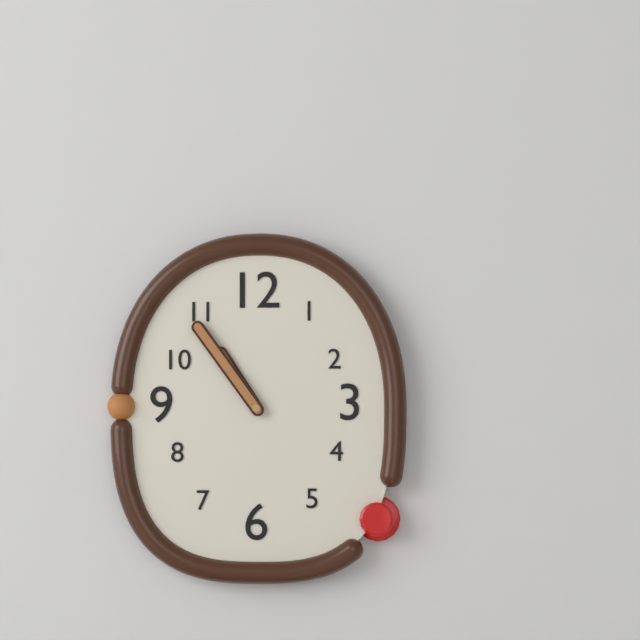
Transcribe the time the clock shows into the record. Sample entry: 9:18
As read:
10:54
